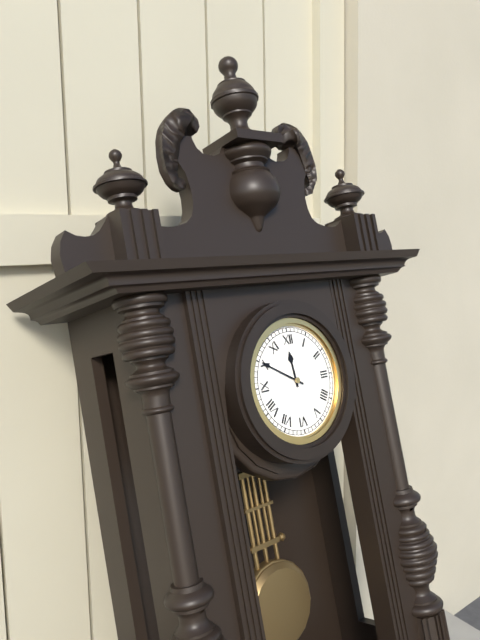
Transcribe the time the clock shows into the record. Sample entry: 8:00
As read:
11:50
